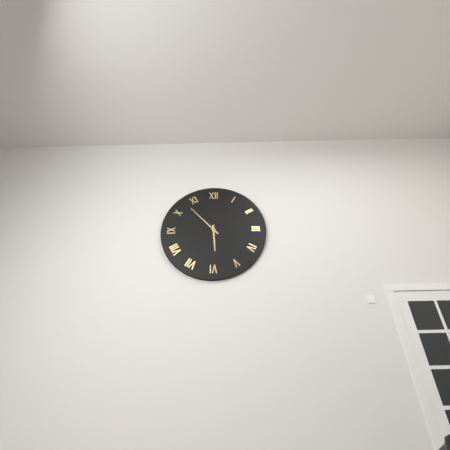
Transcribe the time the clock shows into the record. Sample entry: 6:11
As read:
5:53
